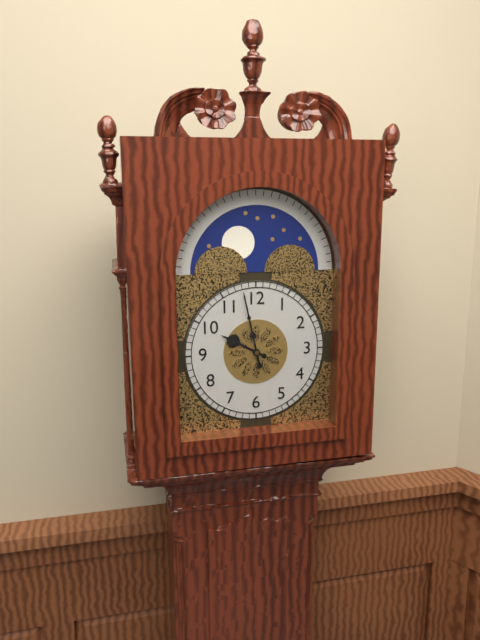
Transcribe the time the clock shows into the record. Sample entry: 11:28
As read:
9:58
